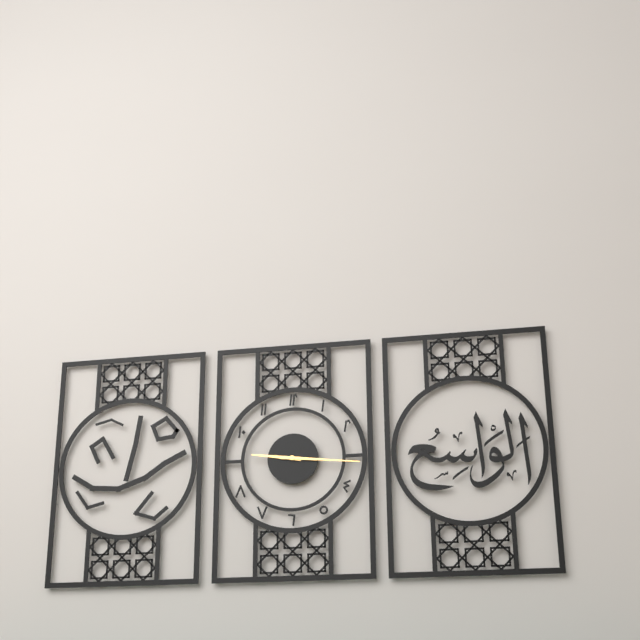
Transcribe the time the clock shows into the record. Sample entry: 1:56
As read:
9:16
